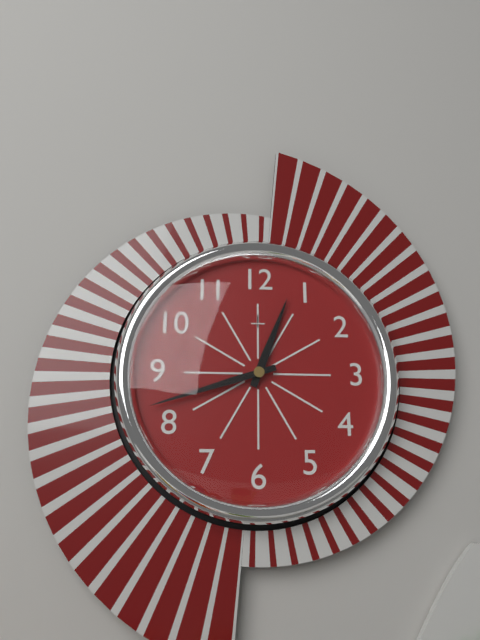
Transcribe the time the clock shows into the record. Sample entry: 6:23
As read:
12:42
